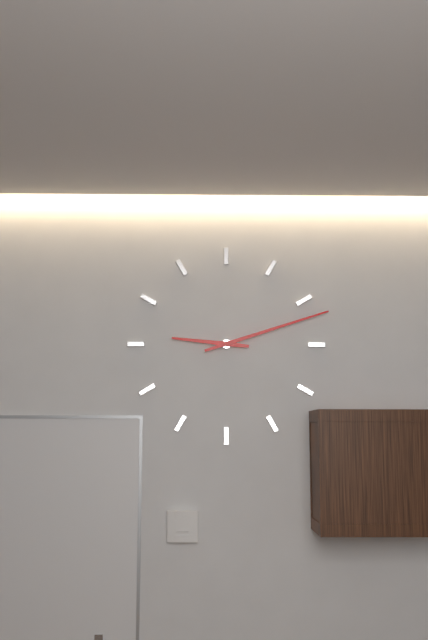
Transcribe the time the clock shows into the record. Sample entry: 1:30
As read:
9:12
